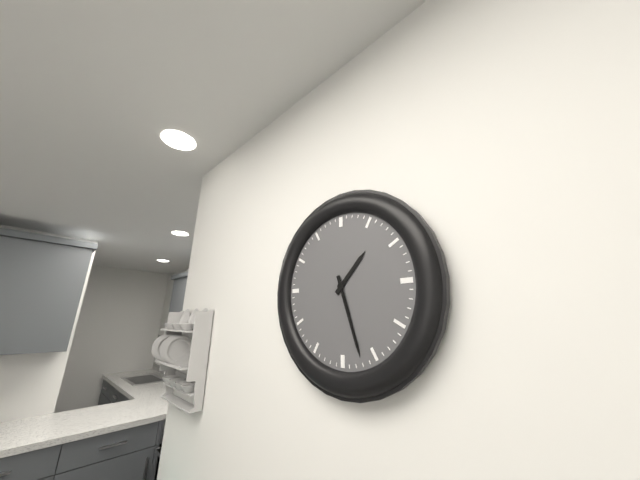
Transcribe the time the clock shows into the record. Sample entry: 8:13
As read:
1:27
